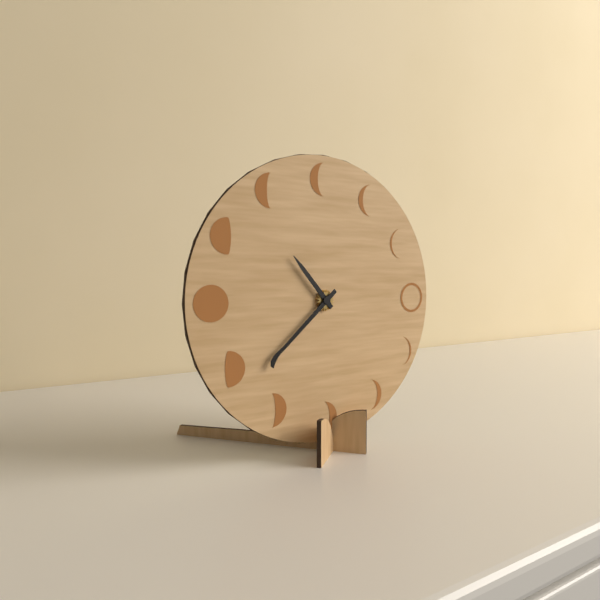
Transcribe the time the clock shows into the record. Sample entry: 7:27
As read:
10:38
